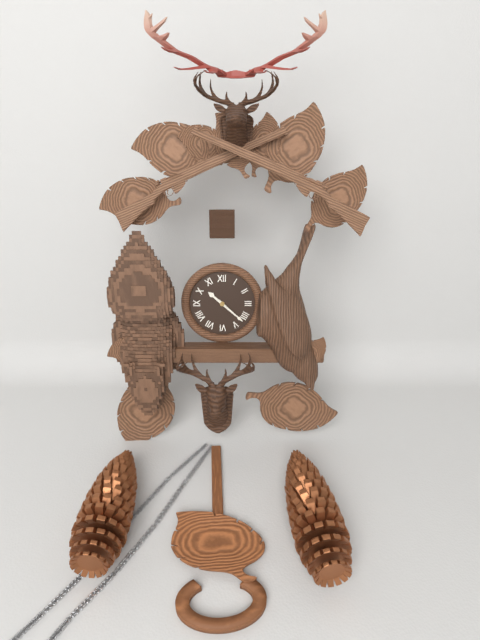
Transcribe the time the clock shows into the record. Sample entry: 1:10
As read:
10:22
